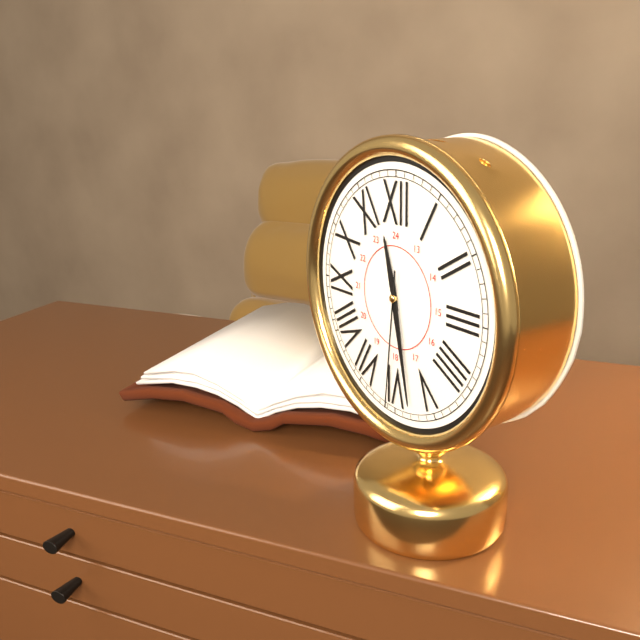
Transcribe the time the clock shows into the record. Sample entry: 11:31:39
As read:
11:28:31
